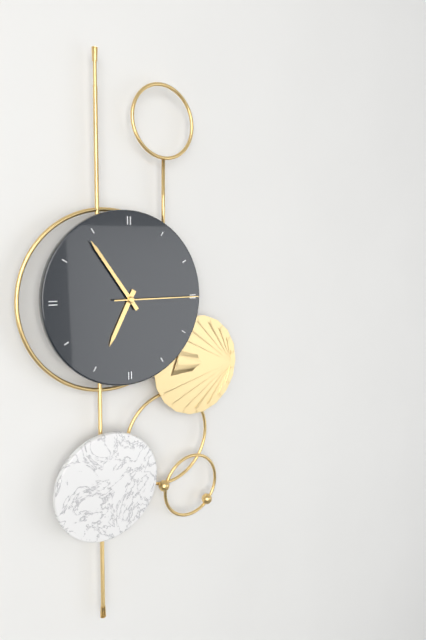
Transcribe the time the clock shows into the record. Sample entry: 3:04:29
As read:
6:54:15
